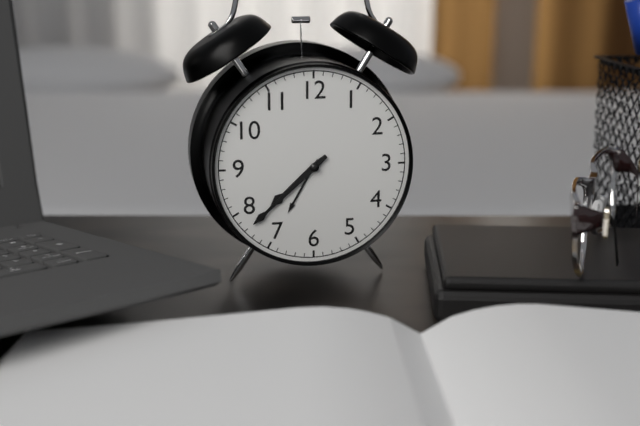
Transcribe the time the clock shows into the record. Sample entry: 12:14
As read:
7:38
